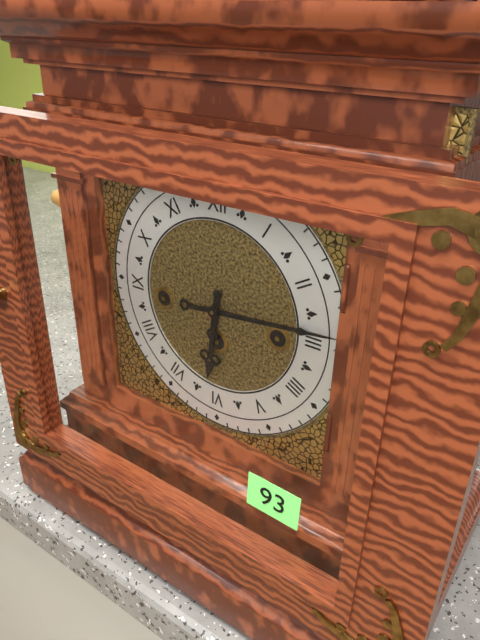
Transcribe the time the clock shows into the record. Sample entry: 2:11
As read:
6:14
